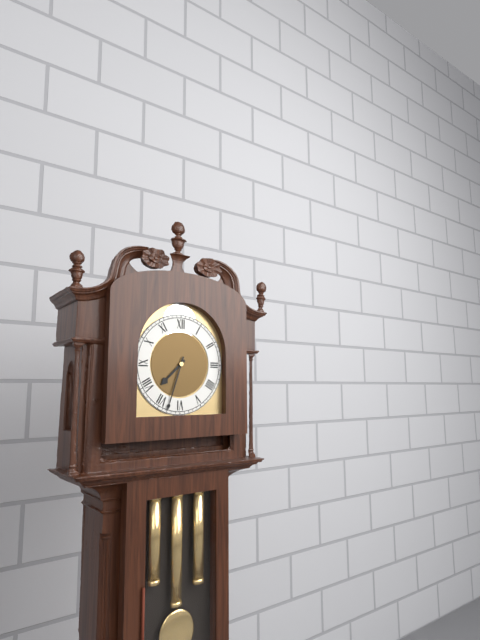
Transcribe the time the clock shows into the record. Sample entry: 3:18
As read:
7:33
